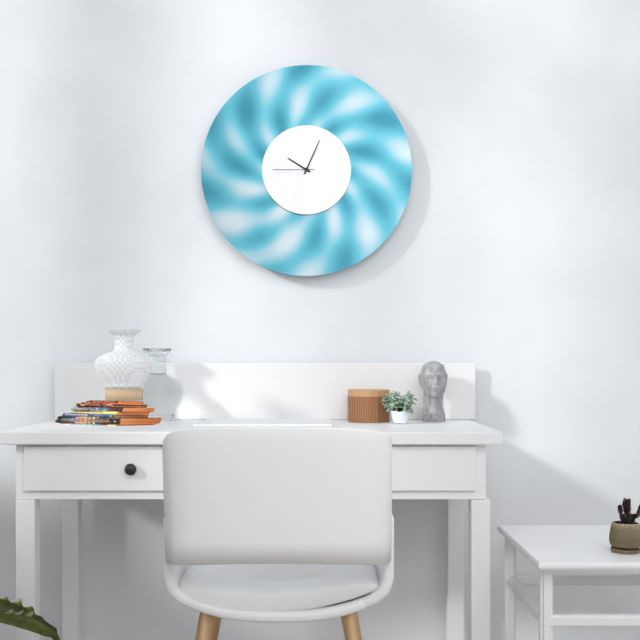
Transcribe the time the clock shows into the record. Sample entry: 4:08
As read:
10:04
